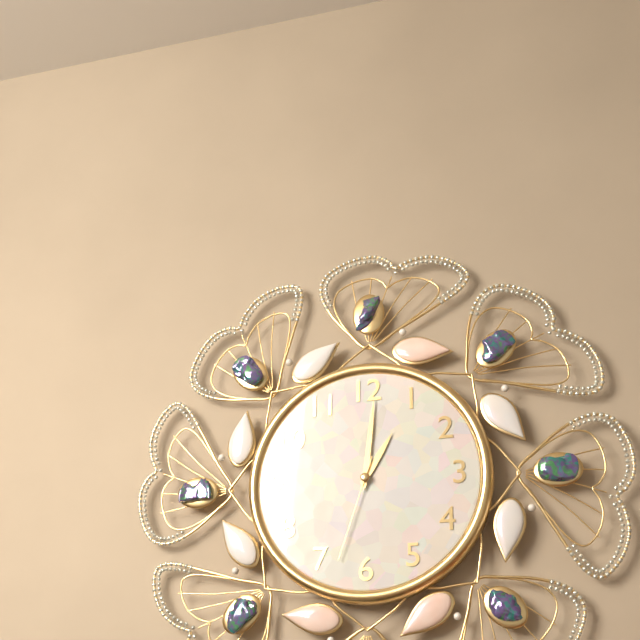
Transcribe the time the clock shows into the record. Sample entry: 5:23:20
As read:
1:01:33
